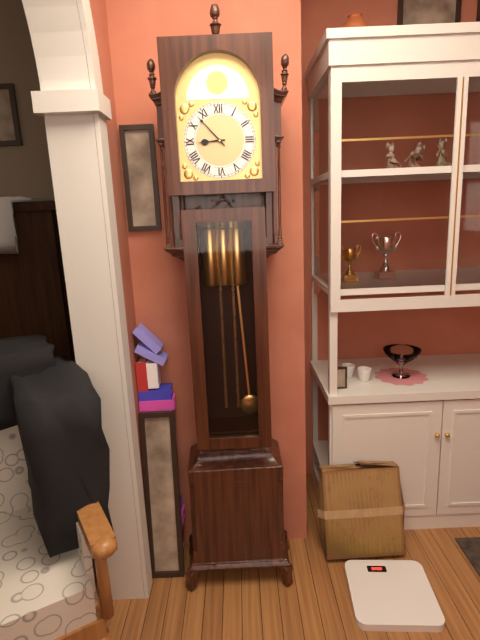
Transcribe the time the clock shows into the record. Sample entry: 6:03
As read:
8:53
